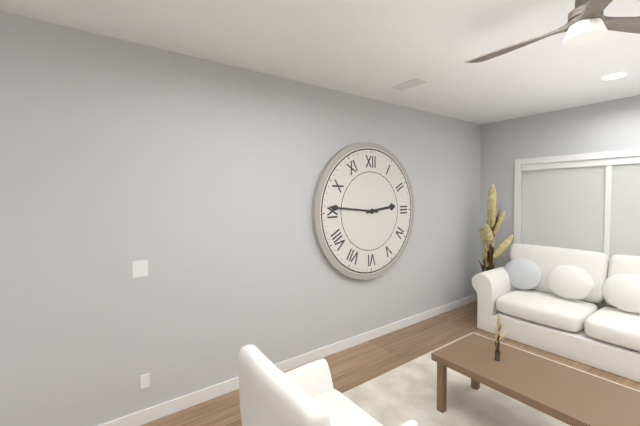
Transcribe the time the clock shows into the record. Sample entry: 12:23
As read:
2:46
